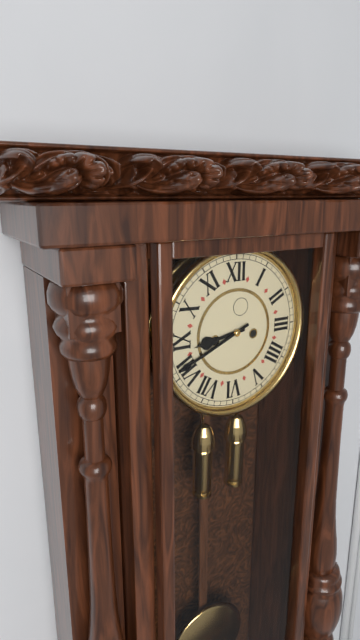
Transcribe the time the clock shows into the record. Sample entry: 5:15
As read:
8:41
